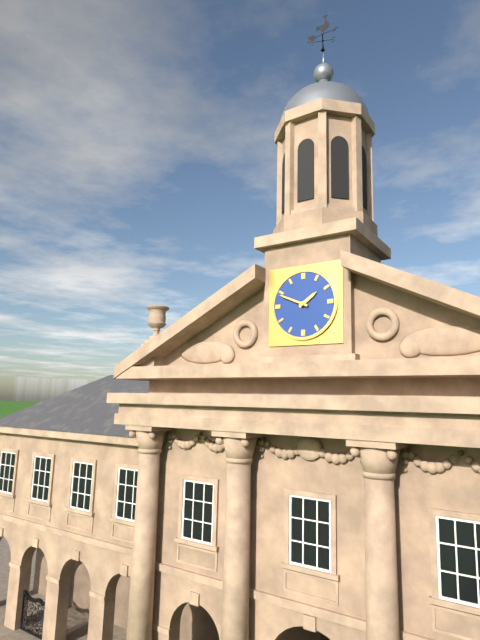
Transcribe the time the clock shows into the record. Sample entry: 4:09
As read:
1:49
